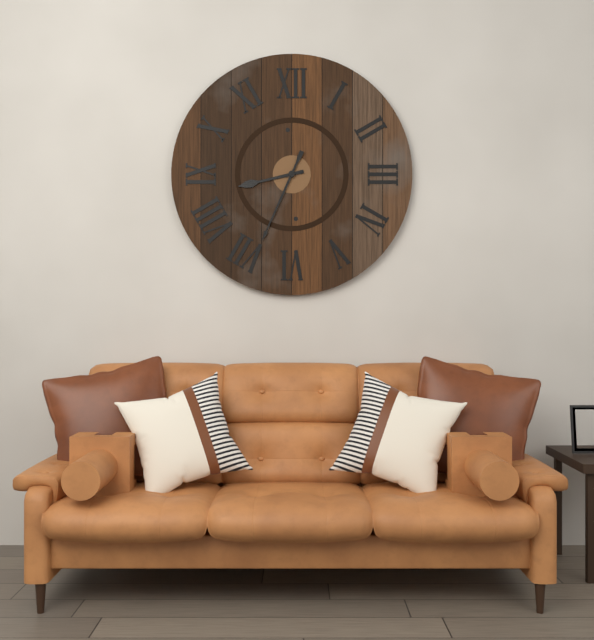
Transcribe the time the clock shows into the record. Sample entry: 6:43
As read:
8:34
